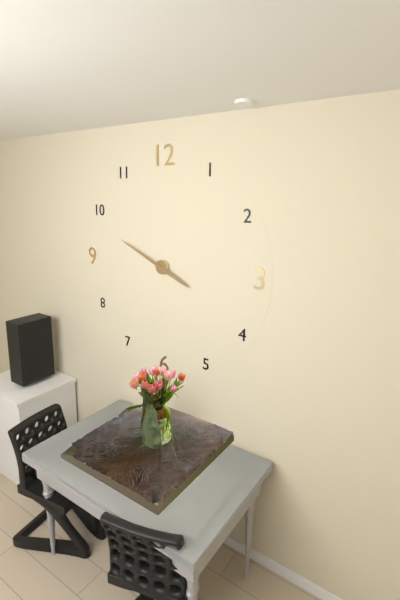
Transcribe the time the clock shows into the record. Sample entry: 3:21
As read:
3:49
